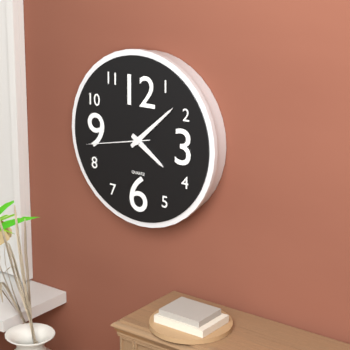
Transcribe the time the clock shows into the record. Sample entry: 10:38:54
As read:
4:08:43
